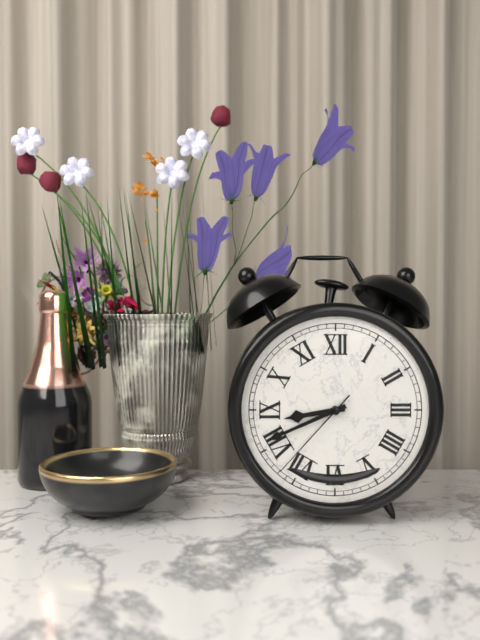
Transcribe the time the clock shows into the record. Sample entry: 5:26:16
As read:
8:41:37
